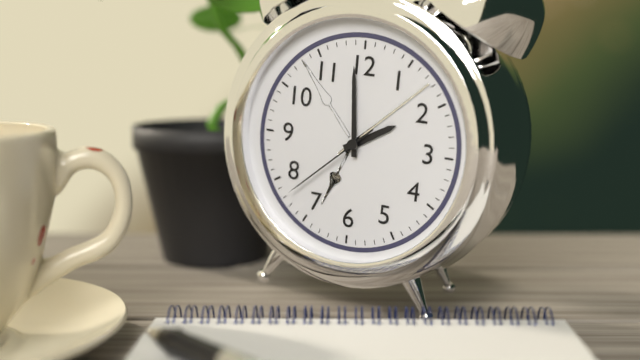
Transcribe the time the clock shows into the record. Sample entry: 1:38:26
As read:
1:59:38
